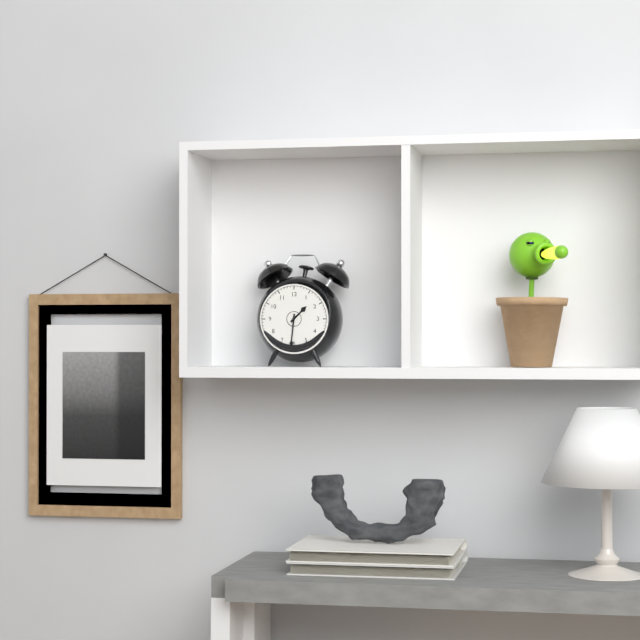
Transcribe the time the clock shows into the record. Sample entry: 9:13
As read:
1:31
